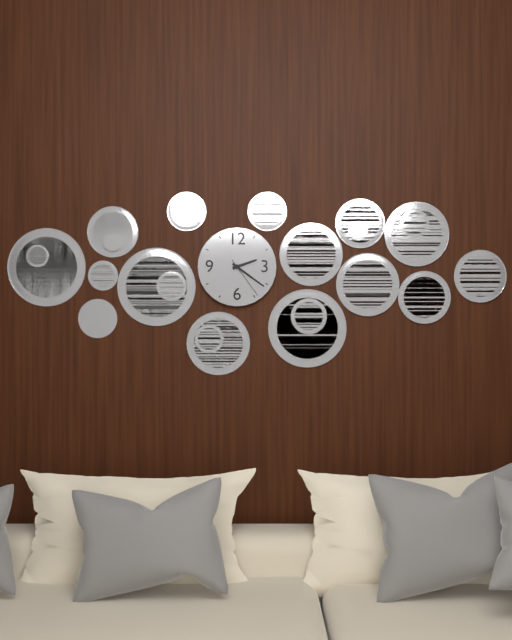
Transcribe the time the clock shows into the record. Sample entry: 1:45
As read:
2:21
